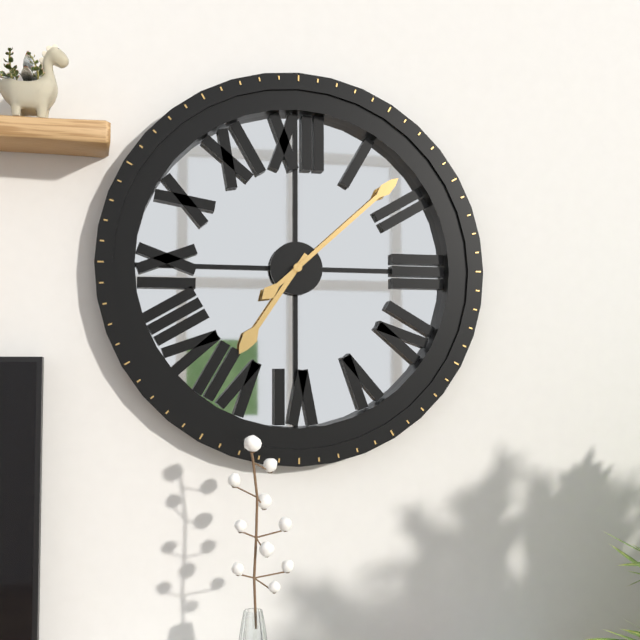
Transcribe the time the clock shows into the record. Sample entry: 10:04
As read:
7:08
